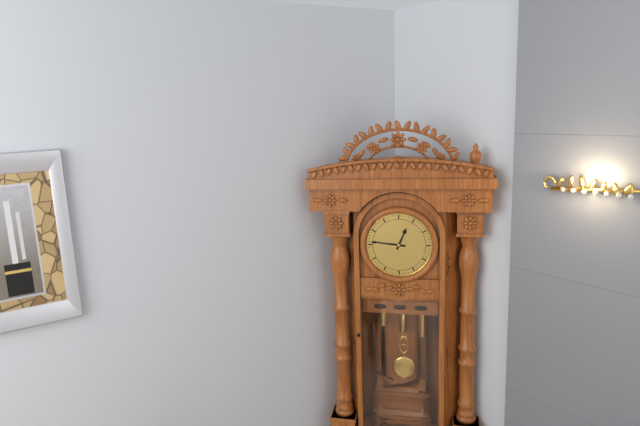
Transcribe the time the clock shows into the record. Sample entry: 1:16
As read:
12:46
